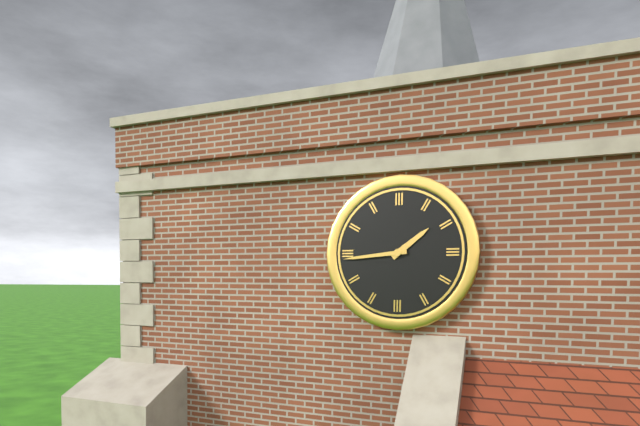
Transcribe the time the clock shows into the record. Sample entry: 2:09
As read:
1:44
